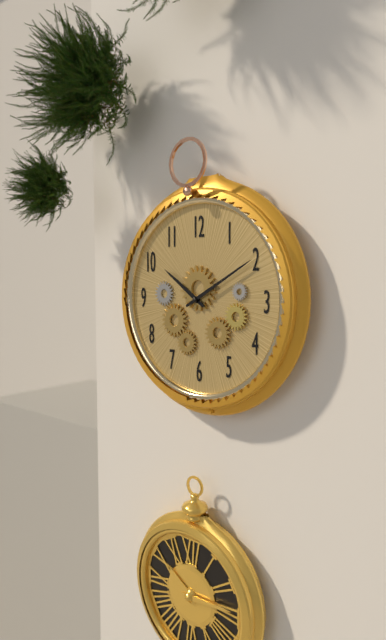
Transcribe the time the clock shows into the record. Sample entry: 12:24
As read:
10:10
